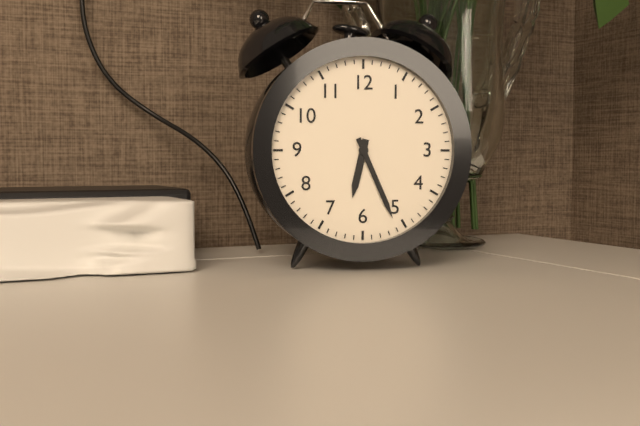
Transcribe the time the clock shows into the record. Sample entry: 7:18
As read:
6:26
